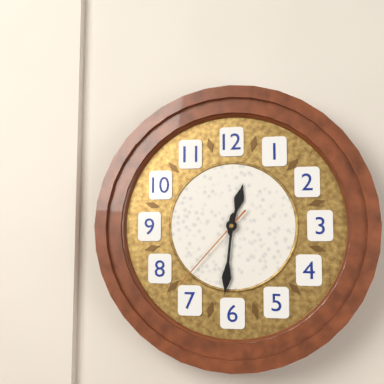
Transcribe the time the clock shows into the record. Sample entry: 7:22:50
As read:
12:31:37
